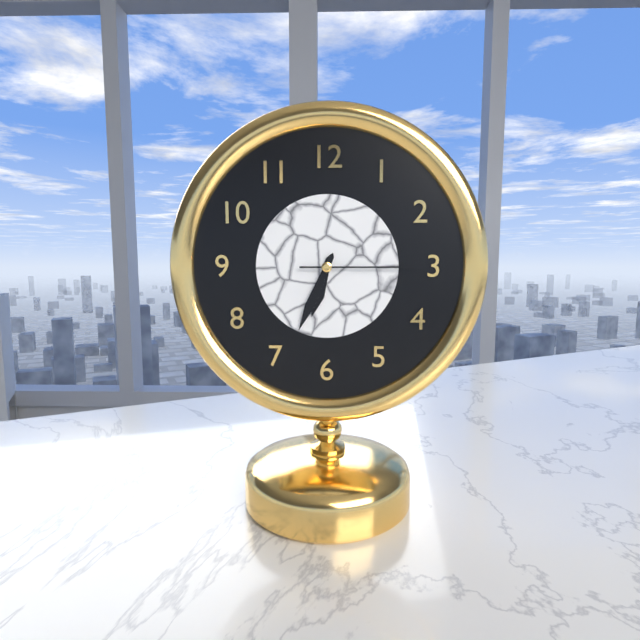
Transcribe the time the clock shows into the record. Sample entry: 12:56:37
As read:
6:34:15
